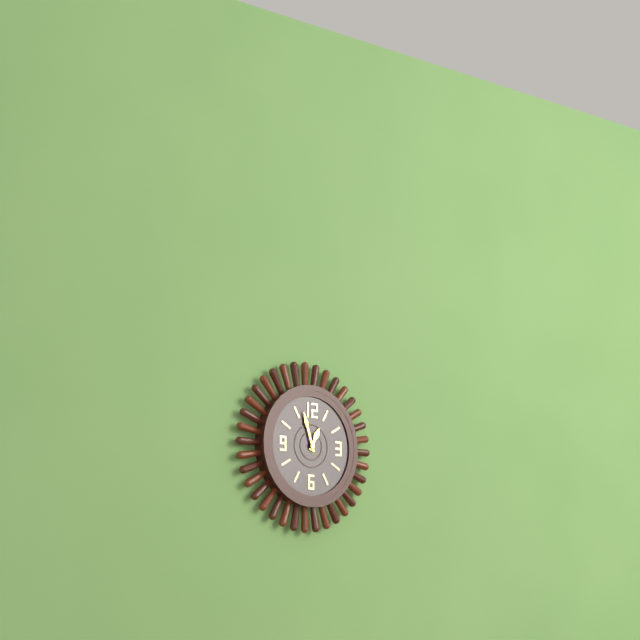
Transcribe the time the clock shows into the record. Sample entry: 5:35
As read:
12:57
